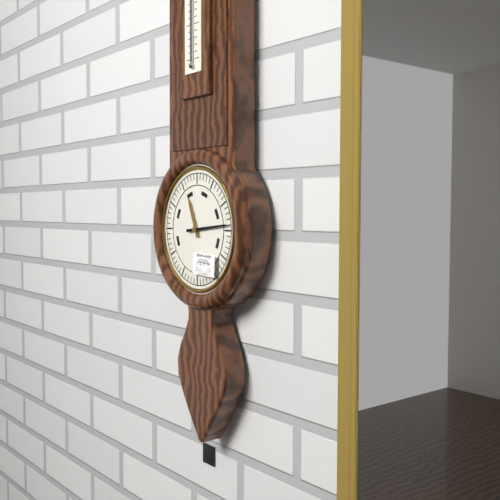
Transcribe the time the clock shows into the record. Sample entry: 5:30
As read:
11:14
